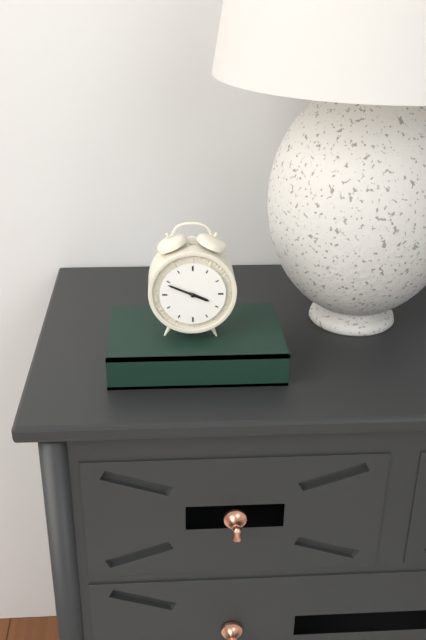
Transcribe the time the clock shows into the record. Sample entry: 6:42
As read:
3:49
